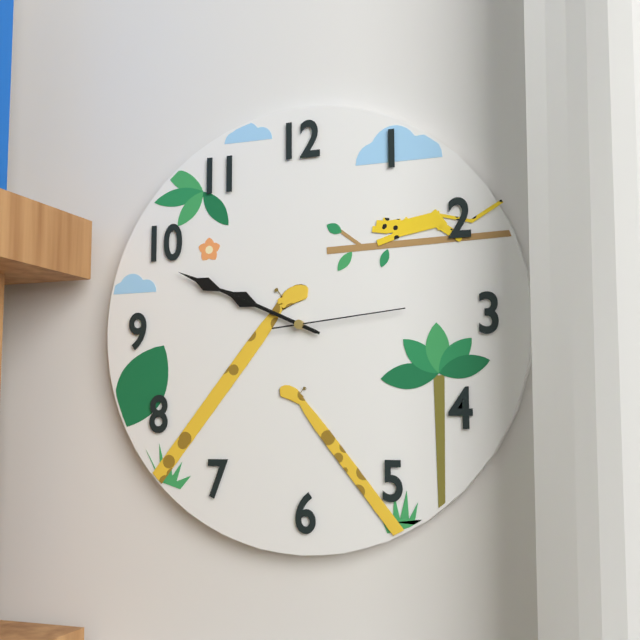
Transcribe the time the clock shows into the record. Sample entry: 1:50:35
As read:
9:49:14
